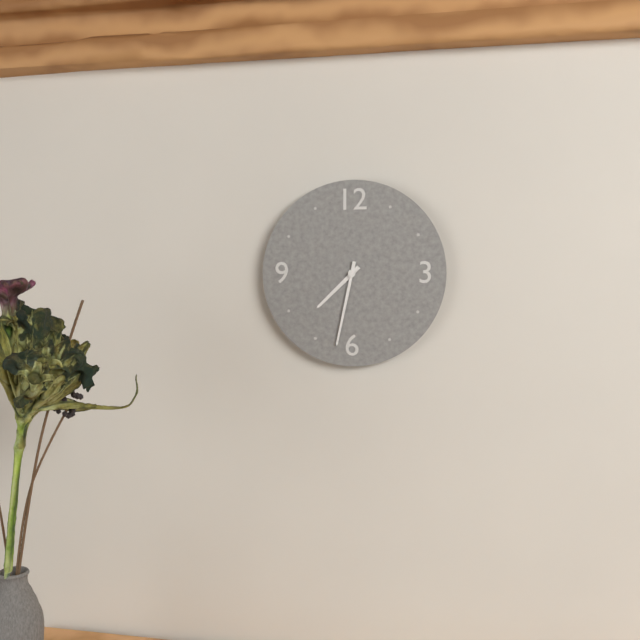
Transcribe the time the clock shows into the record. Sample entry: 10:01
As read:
7:32
